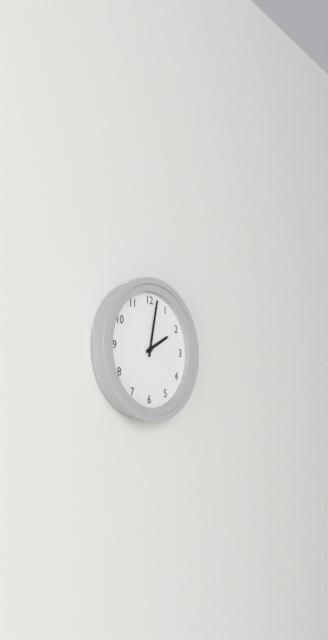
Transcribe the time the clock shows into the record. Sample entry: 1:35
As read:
2:02
